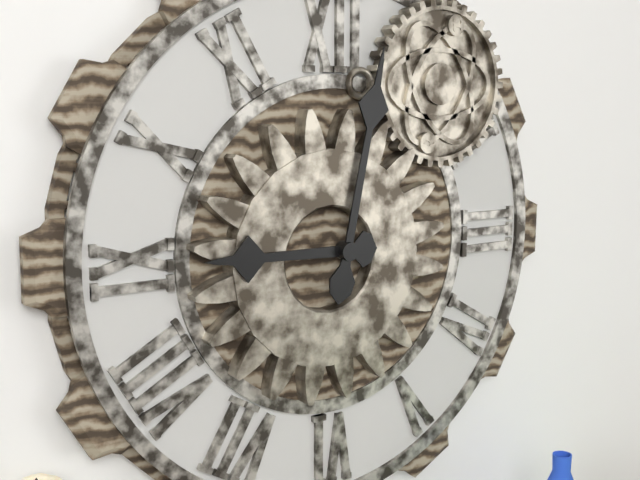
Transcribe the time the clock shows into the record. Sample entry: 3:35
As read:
9:02
